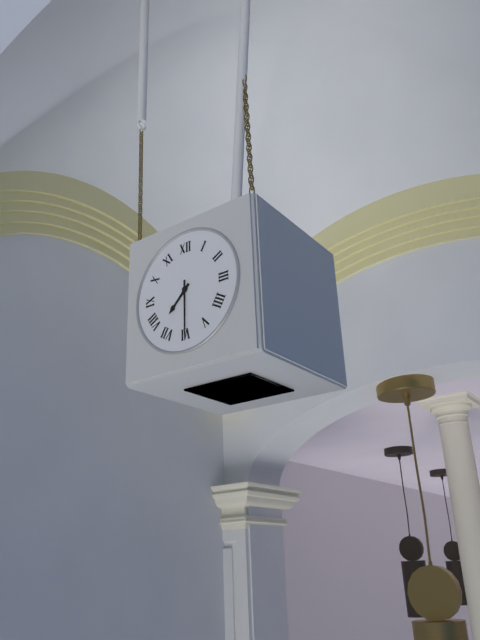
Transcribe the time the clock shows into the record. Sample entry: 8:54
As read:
7:30
